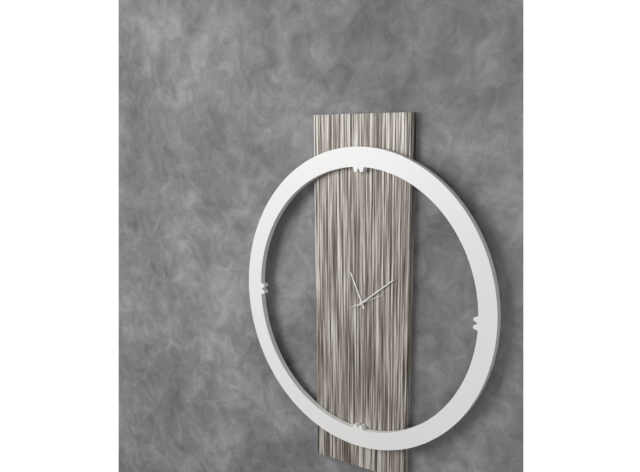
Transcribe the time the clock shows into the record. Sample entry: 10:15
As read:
11:09
